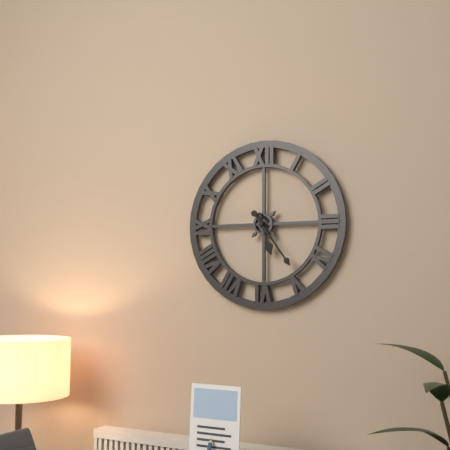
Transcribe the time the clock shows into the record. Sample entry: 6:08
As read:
5:24
